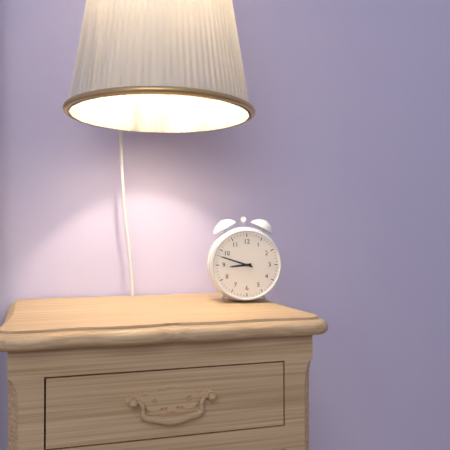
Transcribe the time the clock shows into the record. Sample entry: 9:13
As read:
8:48
